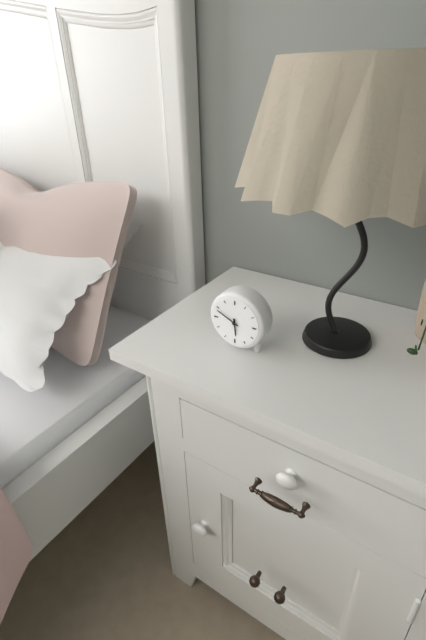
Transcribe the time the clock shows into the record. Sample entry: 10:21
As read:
5:49
